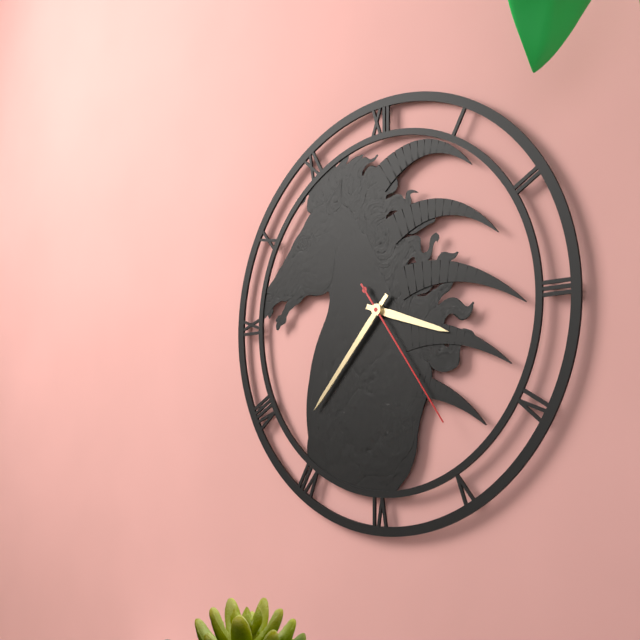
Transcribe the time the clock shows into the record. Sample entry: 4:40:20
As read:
3:37:24
